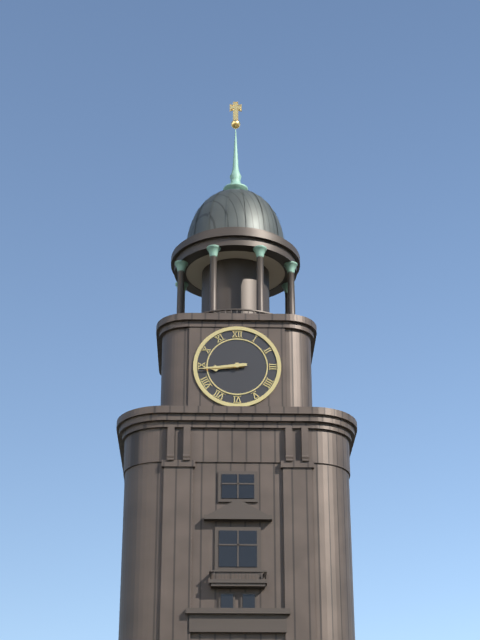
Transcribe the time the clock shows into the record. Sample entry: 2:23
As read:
8:44
